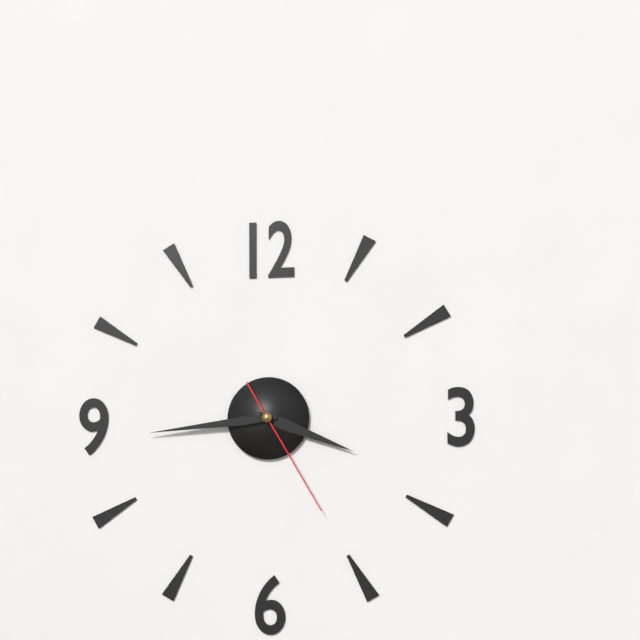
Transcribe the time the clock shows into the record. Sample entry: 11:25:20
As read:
3:44:25
